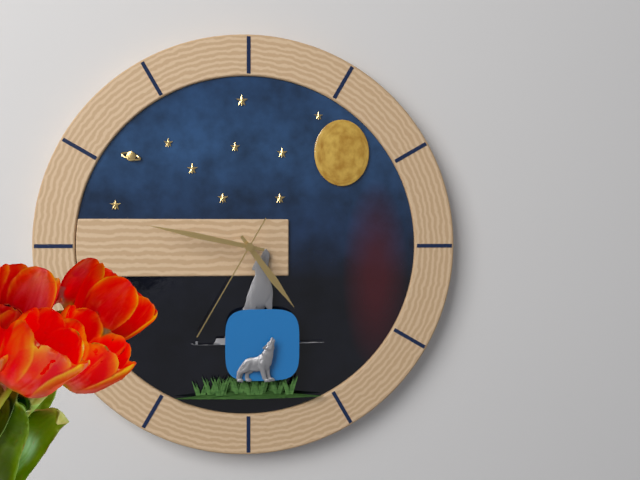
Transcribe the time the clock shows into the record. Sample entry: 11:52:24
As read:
4:47:35
